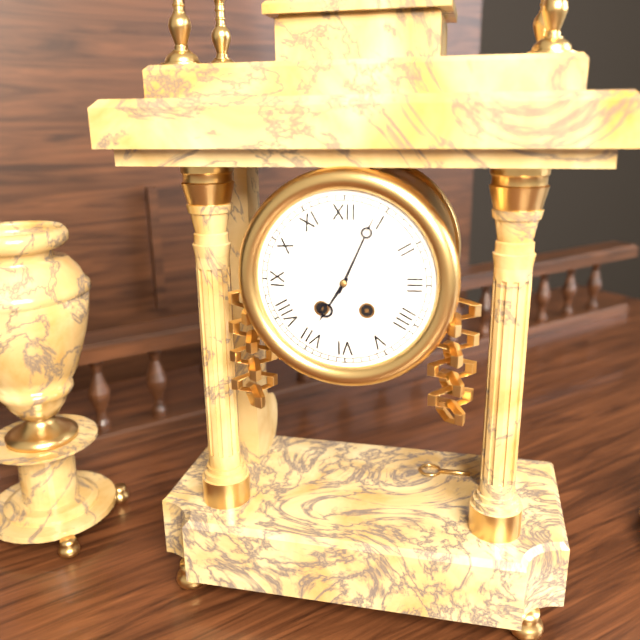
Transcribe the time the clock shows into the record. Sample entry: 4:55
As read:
7:04
